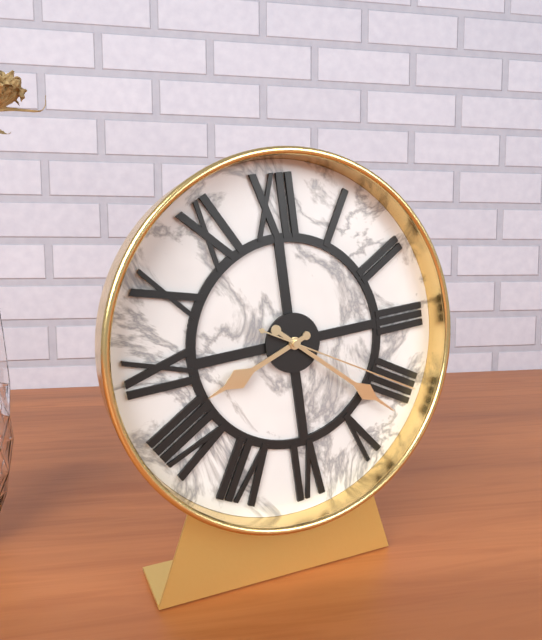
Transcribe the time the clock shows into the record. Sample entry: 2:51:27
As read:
8:22:20
